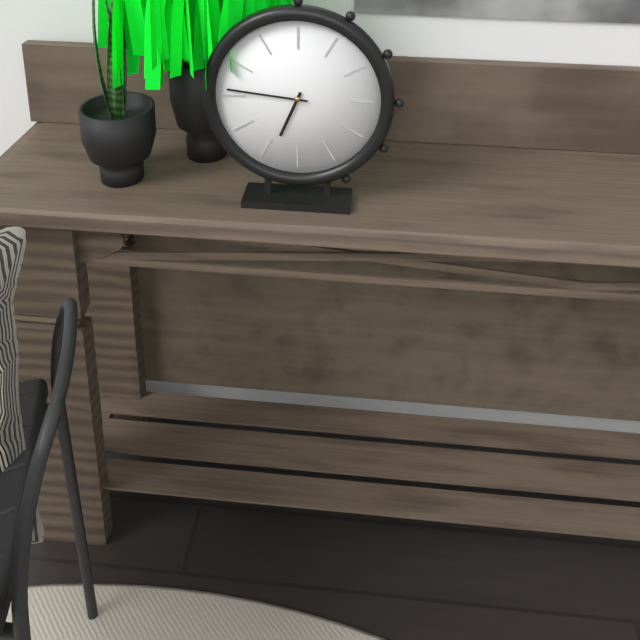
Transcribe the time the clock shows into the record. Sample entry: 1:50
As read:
6:46
